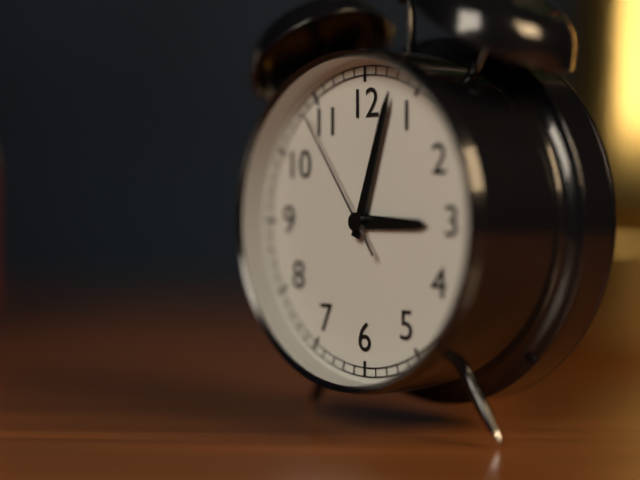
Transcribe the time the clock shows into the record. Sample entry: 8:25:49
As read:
3:03:54
